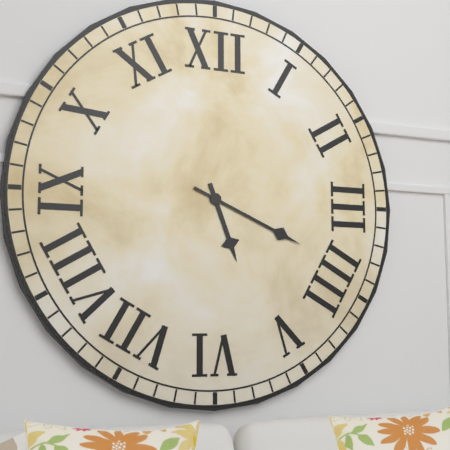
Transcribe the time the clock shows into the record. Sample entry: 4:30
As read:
5:19
